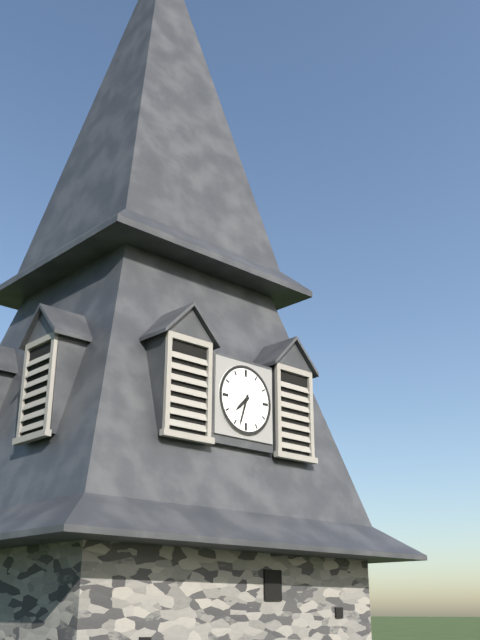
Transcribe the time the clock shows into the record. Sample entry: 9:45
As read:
7:33
